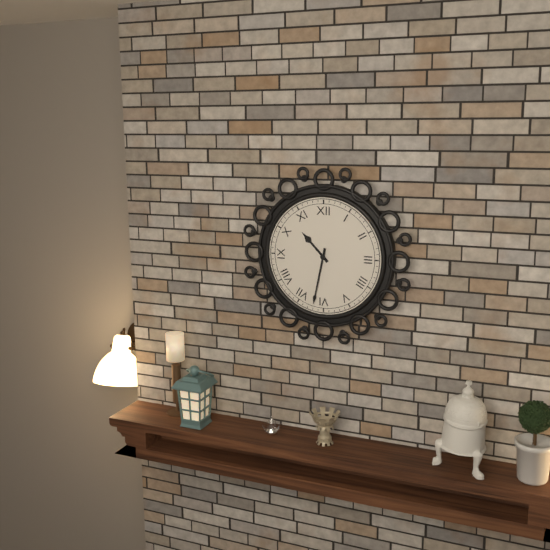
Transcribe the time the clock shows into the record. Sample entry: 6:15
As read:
10:32
